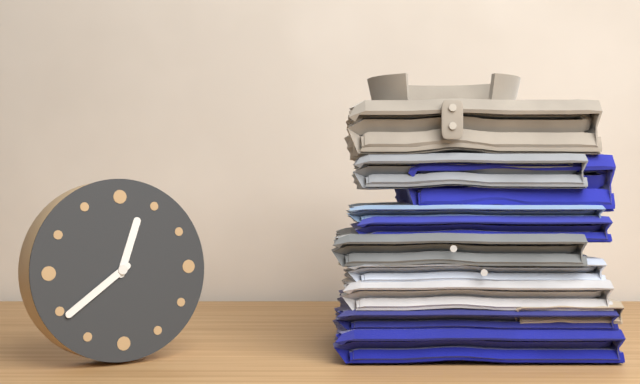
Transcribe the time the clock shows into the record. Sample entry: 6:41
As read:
12:39
